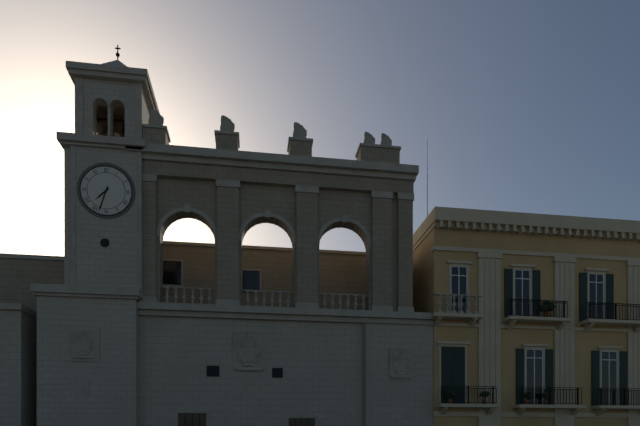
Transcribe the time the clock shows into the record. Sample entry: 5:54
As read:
7:33
